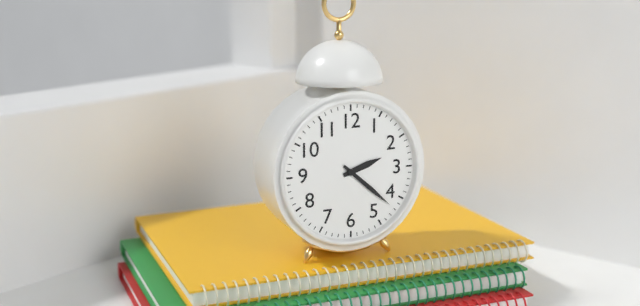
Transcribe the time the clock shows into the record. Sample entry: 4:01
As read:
2:22
